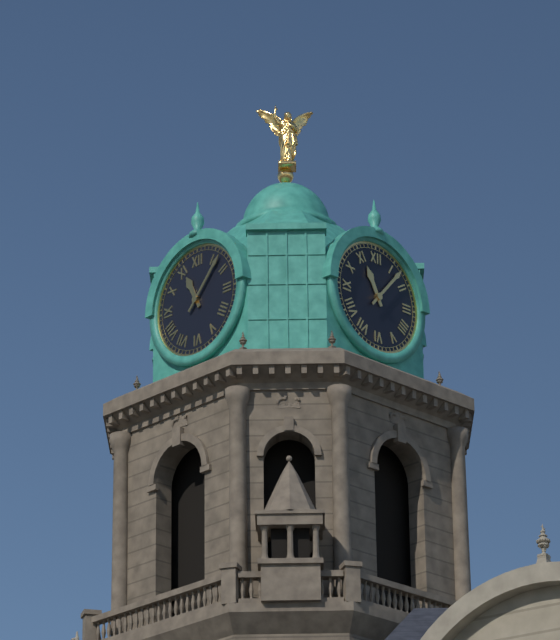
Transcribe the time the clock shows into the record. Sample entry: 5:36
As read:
11:07
